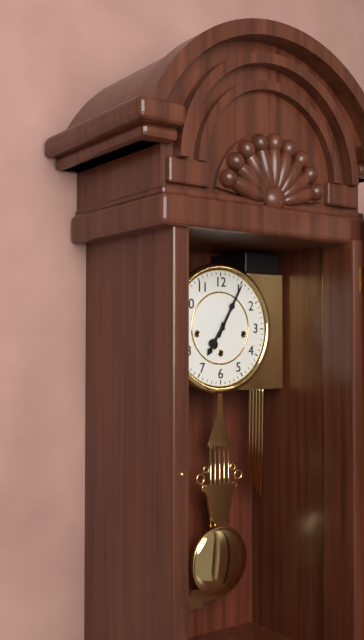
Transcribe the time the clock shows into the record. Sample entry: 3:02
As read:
7:05
